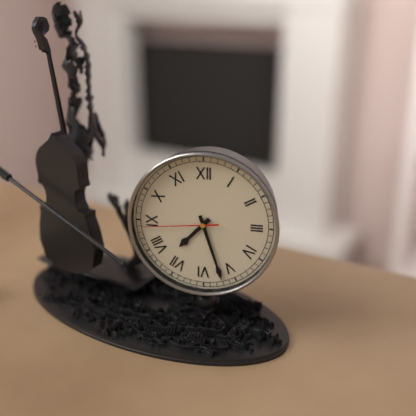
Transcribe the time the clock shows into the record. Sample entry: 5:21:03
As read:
7:27:44
